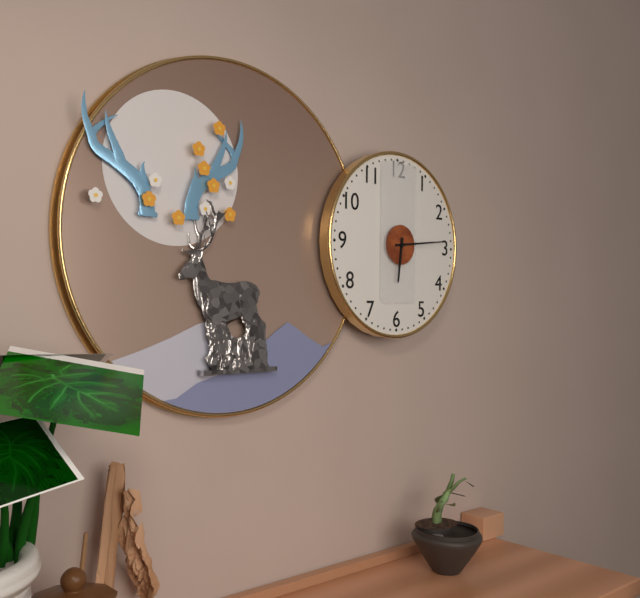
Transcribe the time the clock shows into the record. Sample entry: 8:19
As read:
6:14
